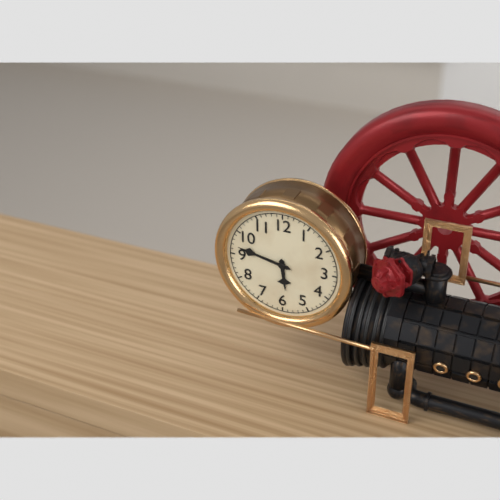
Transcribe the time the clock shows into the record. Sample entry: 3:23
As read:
5:47
